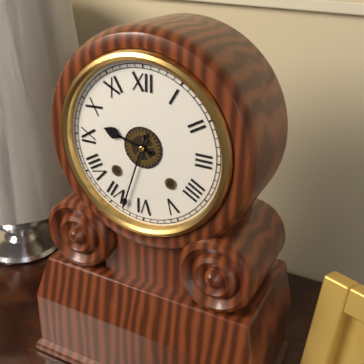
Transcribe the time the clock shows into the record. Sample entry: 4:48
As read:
9:33
